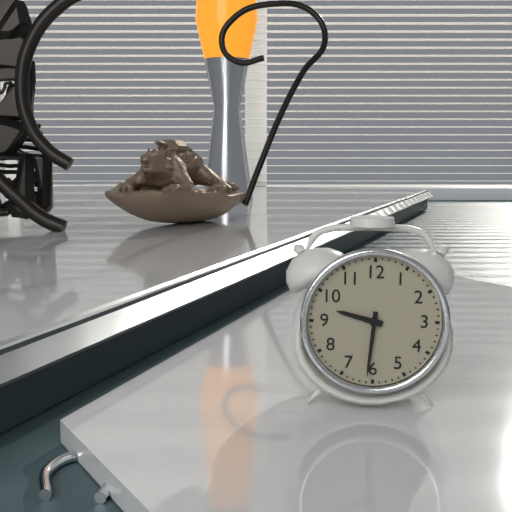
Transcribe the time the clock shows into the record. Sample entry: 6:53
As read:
9:31
